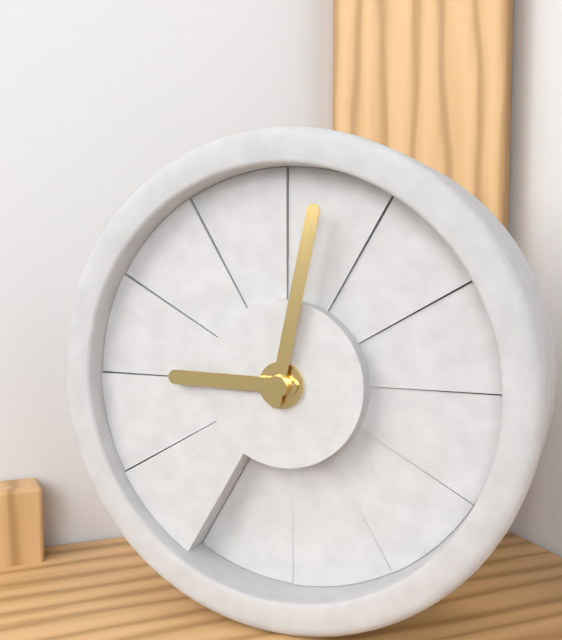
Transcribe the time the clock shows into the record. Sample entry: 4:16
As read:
9:02
